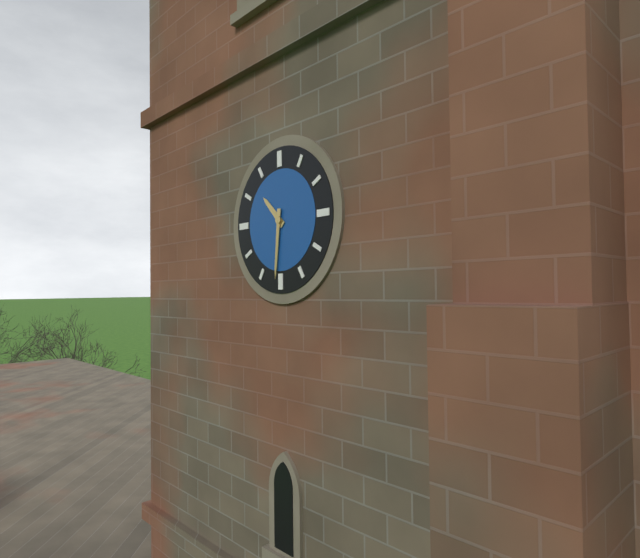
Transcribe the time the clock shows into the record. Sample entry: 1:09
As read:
10:31
